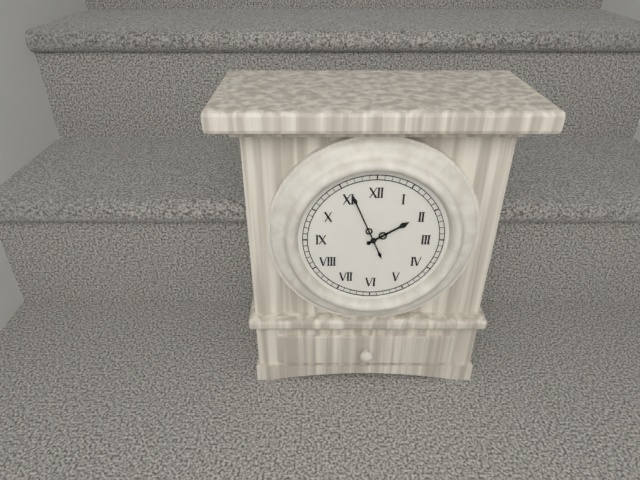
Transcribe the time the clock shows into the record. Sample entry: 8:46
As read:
1:56
